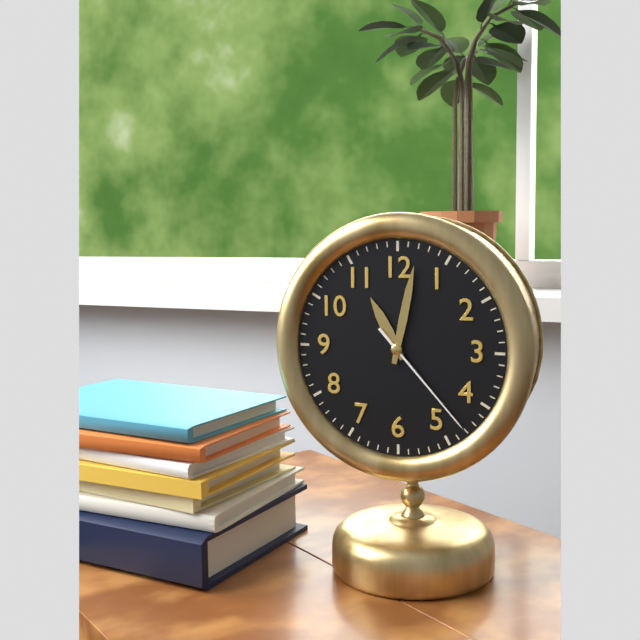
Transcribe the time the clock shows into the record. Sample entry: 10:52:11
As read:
11:02:23
